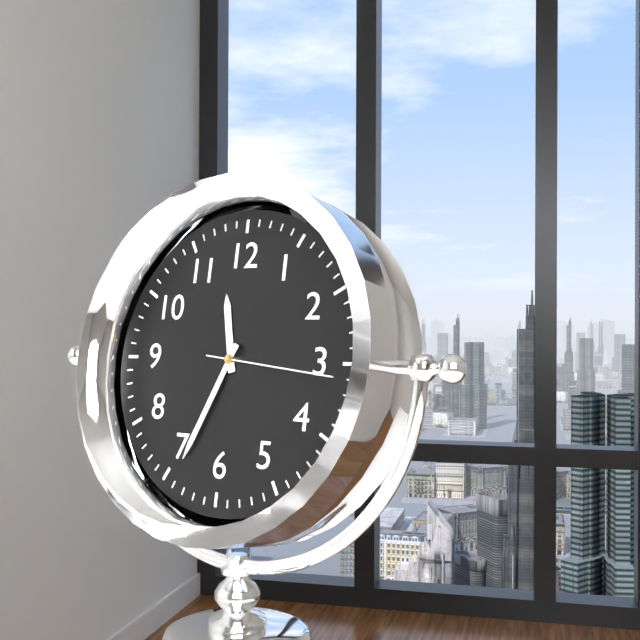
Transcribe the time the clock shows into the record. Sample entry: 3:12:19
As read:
11:34:16
